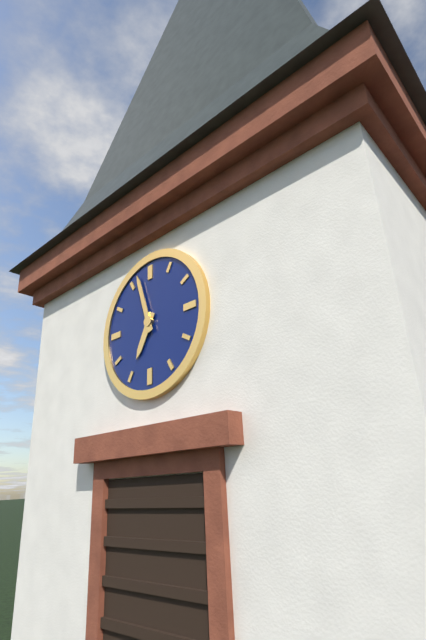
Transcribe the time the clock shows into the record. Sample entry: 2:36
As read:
6:57
